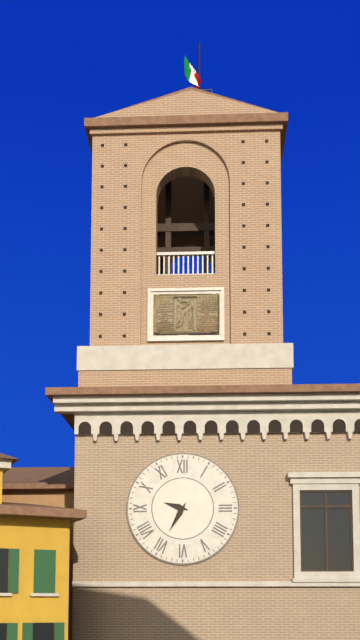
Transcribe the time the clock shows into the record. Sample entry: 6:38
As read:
9:35
